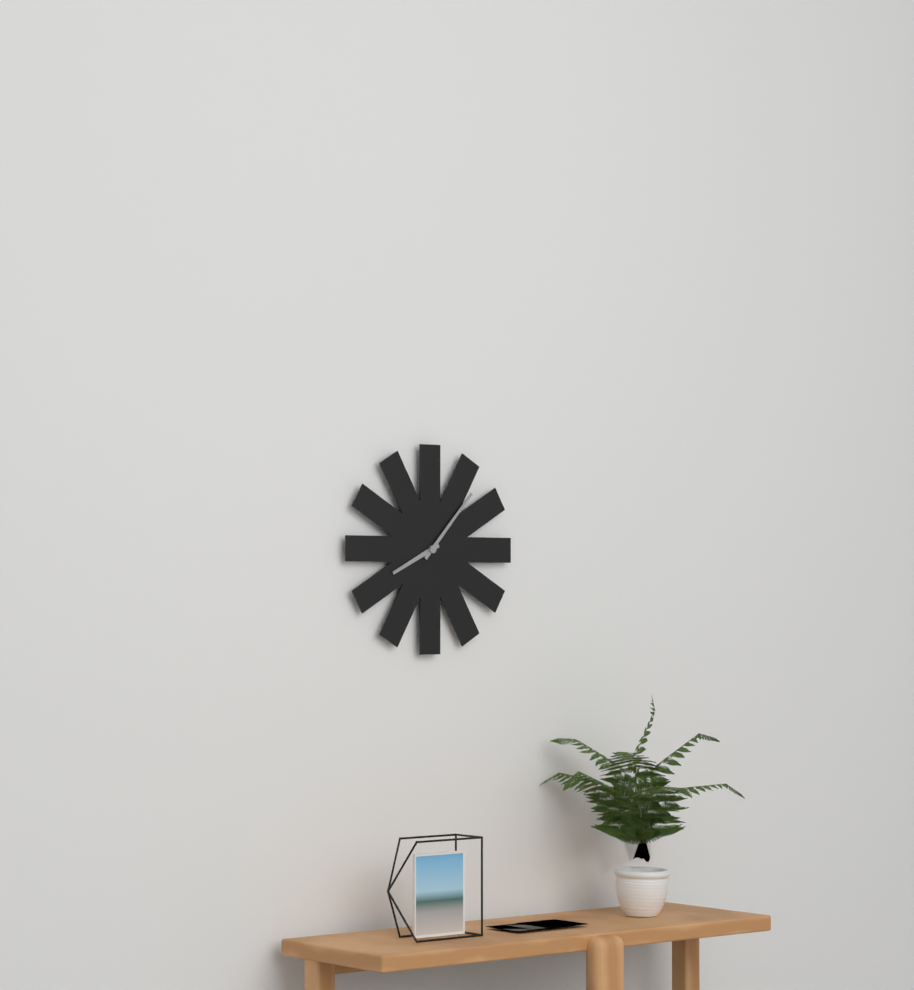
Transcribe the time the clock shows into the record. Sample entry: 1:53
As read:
8:07
